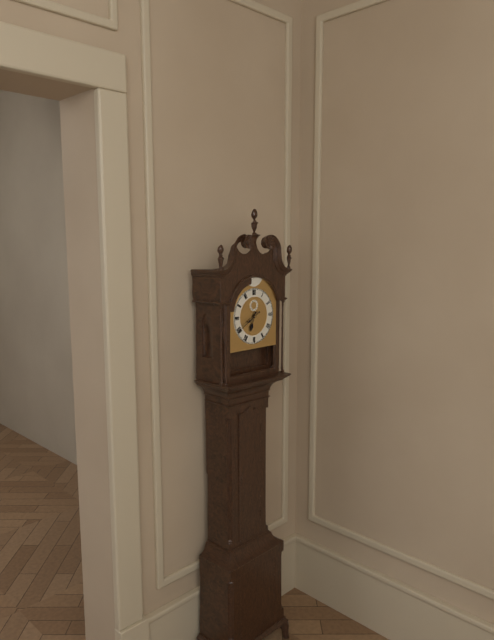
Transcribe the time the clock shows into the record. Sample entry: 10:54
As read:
6:40
